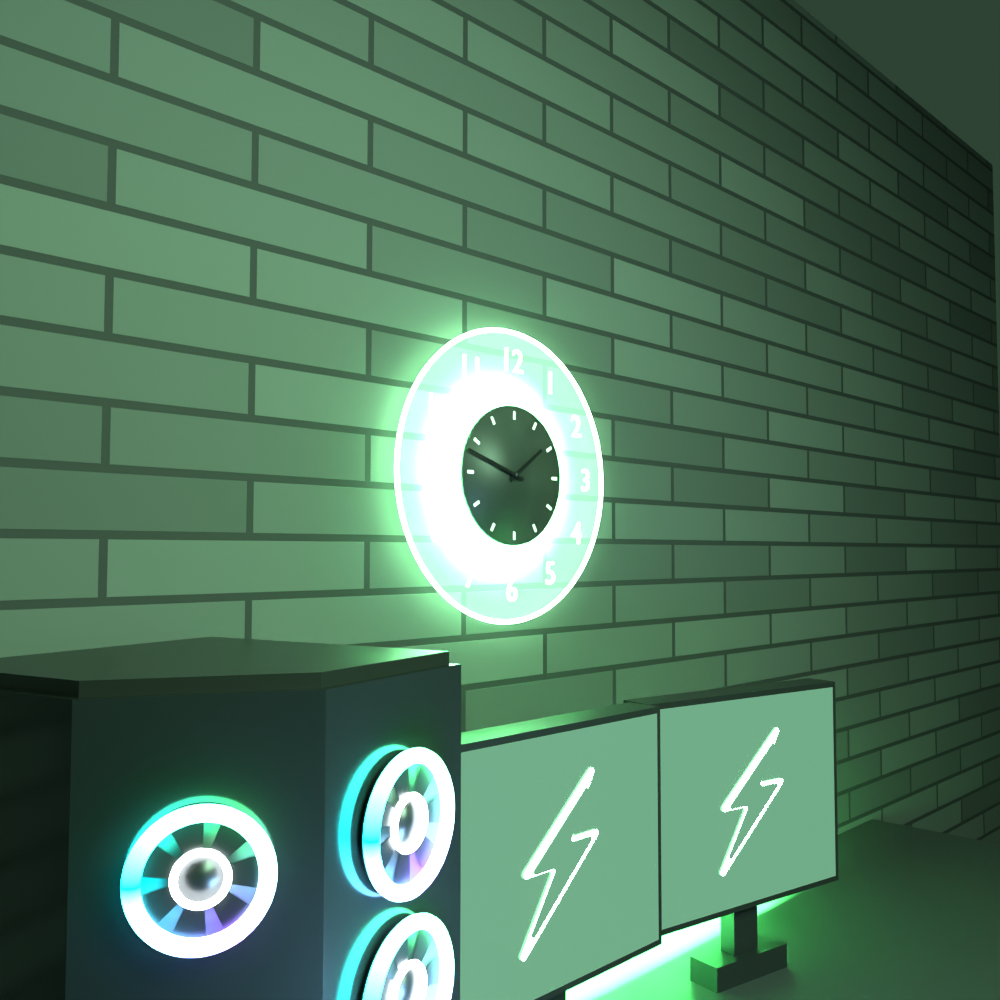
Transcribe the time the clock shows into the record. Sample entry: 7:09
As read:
1:48
